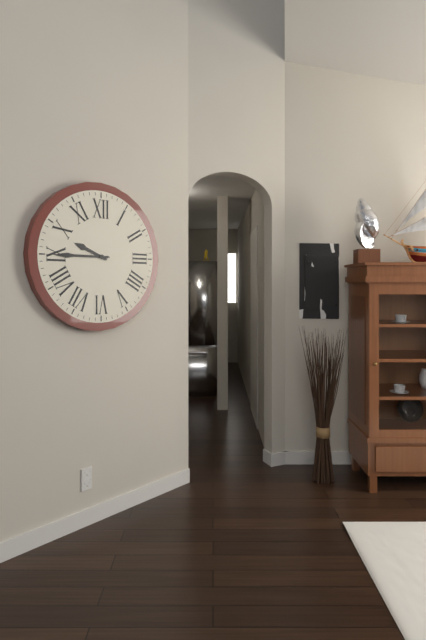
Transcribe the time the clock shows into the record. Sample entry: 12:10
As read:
9:45
